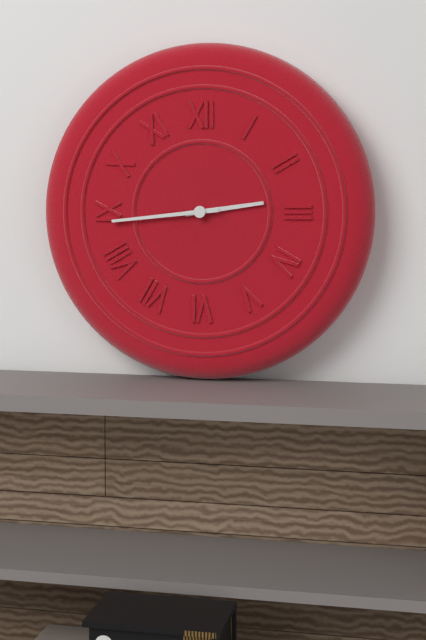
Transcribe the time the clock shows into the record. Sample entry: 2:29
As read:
2:44
